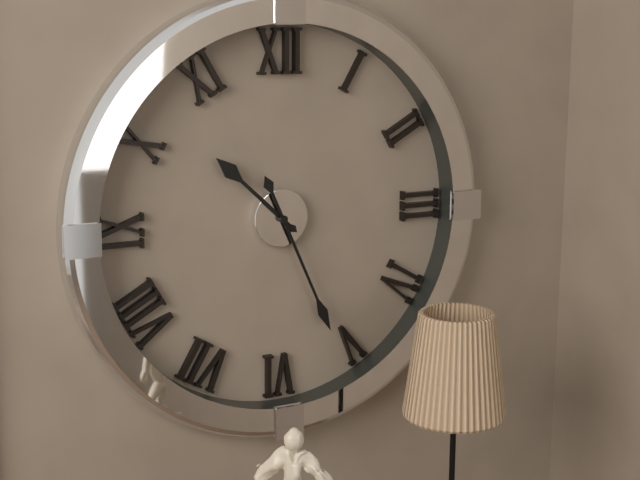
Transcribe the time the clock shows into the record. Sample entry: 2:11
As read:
10:26
